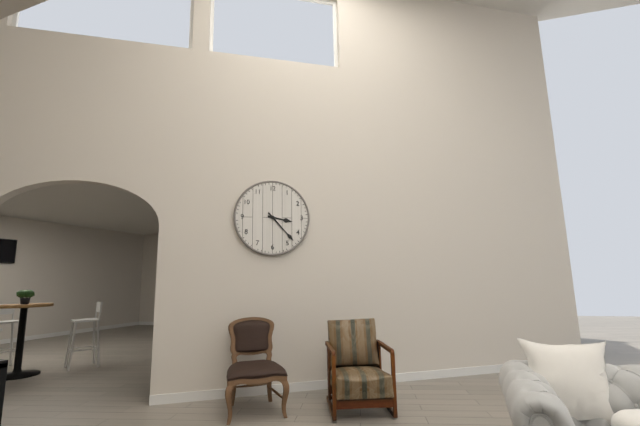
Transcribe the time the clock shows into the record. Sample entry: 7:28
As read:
3:23
